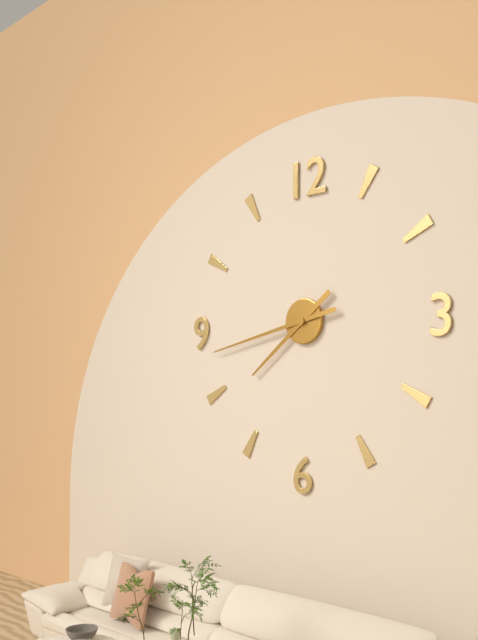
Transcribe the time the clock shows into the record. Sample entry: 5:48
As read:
7:43
